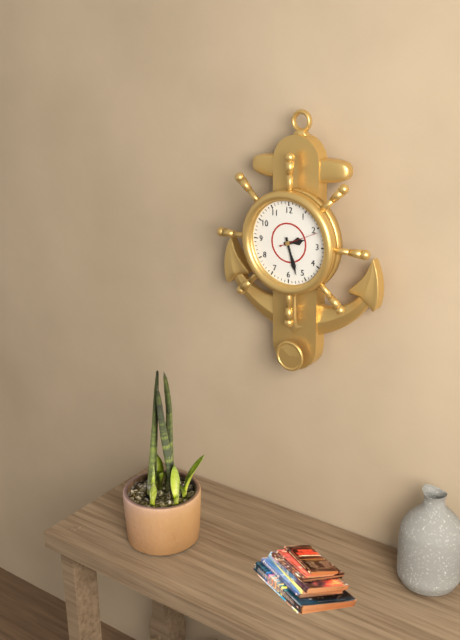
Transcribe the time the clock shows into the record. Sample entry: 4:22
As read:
2:27
